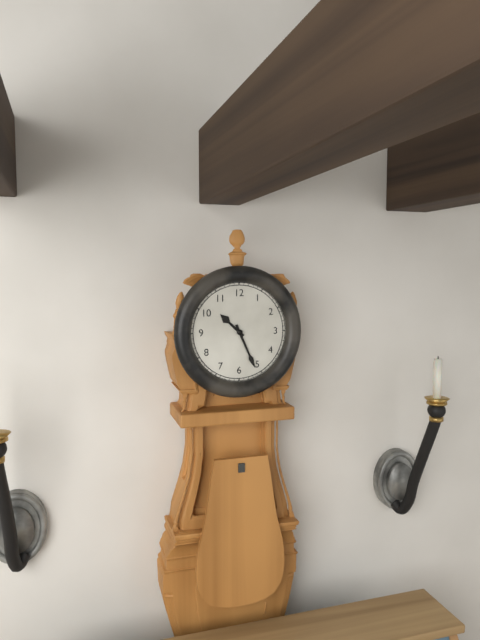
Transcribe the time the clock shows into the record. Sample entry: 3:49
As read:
10:26
